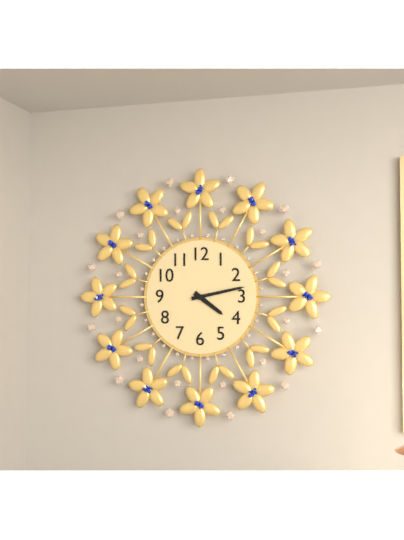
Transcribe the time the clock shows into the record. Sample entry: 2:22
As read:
4:13
